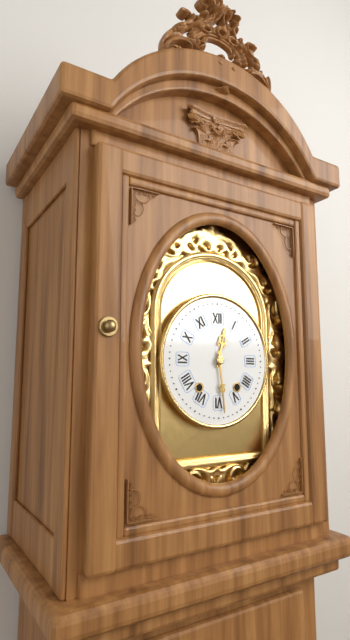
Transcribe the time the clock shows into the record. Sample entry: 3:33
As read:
12:29
